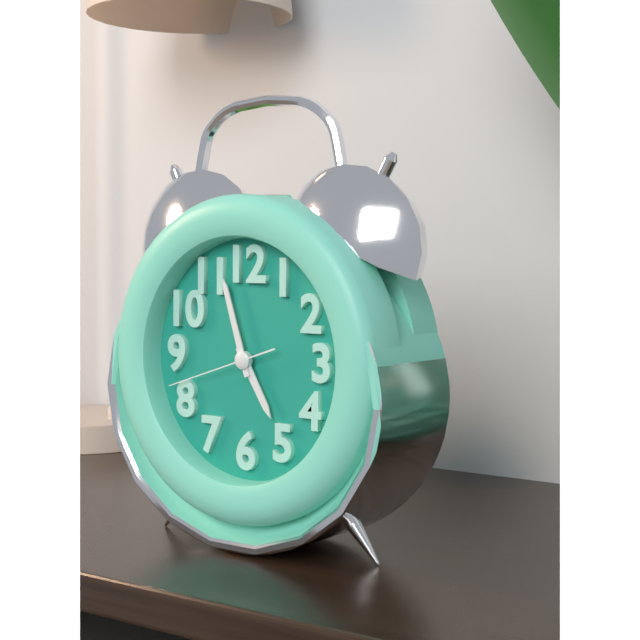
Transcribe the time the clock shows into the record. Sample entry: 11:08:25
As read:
4:57:42
